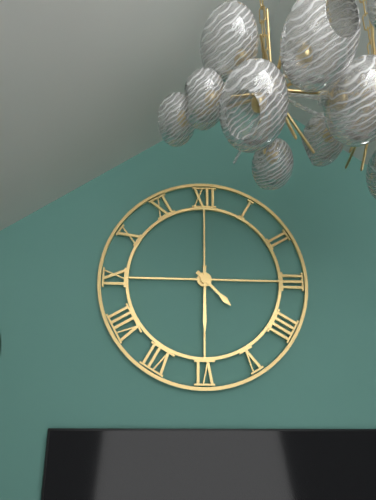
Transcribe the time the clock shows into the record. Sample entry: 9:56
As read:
4:30
